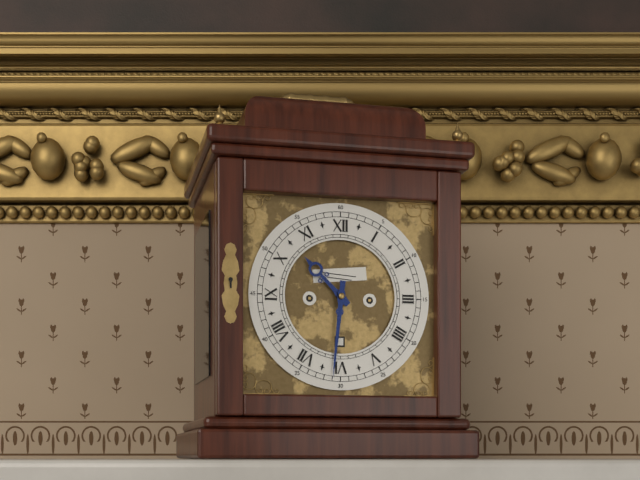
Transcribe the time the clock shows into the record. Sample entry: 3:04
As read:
10:31
